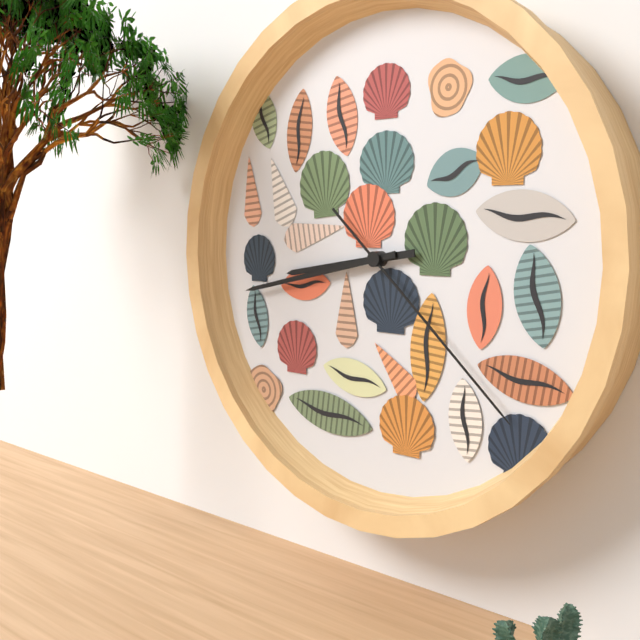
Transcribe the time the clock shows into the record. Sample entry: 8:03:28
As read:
8:43:22
